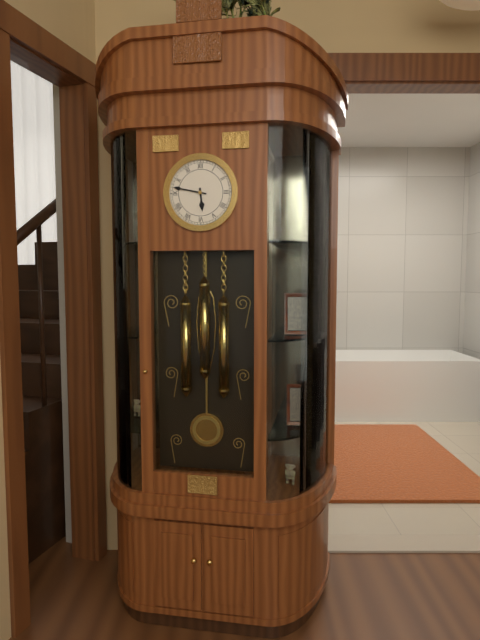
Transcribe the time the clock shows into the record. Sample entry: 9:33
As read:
5:47
